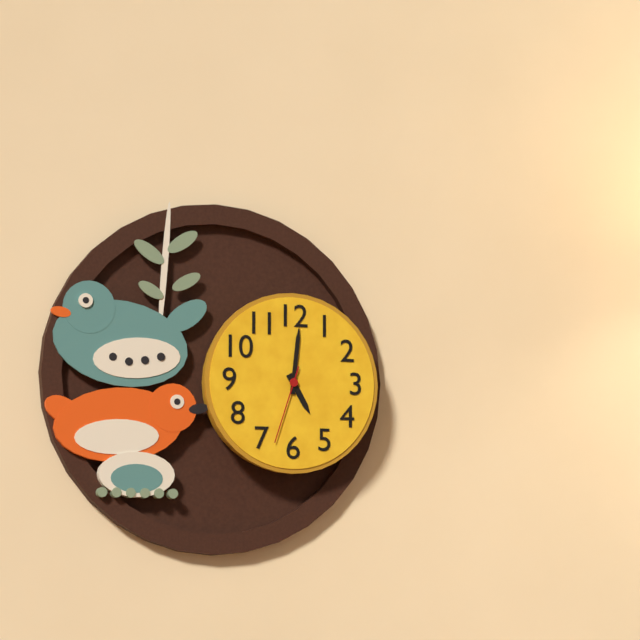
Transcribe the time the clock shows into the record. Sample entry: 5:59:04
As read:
5:01:33
